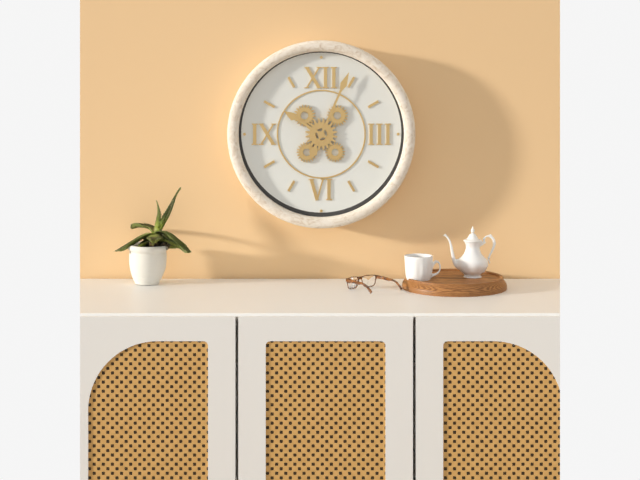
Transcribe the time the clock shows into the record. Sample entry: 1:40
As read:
10:04
